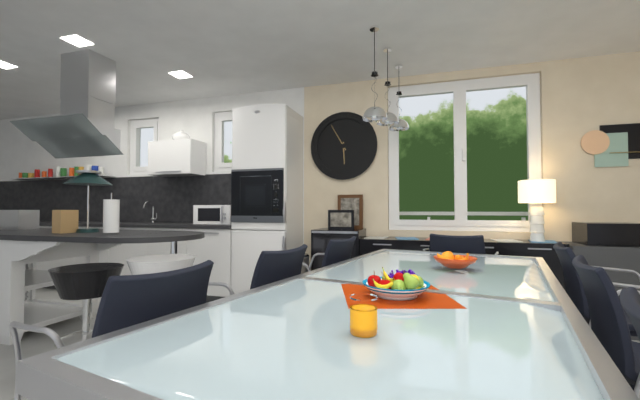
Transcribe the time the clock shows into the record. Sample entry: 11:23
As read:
5:55
